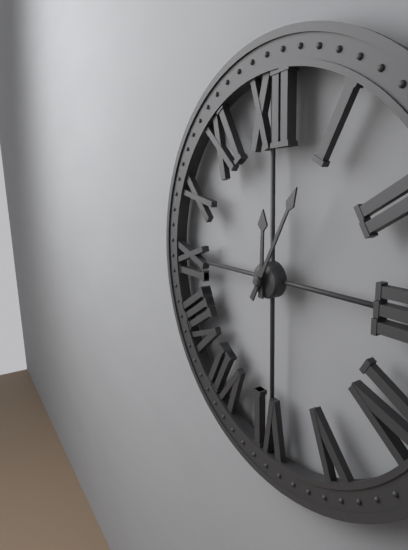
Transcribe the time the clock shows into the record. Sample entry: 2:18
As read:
12:05
